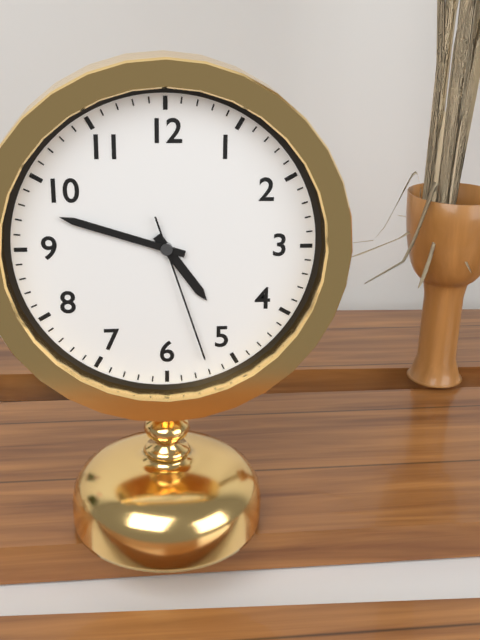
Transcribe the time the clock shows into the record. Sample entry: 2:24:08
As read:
4:48:27
